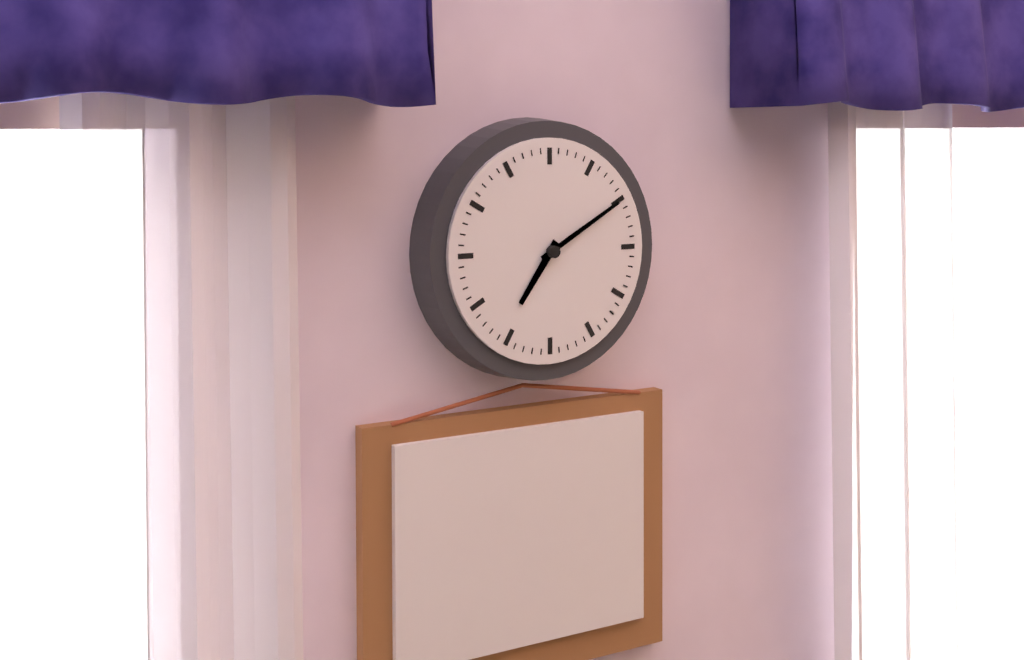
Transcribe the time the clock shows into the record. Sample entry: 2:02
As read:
7:10
